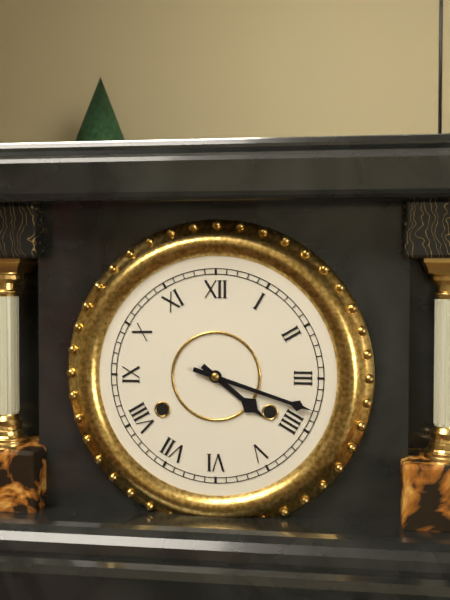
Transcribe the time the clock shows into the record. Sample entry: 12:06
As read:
4:18
